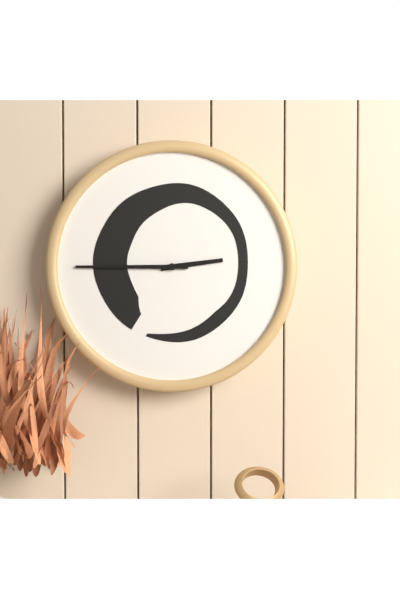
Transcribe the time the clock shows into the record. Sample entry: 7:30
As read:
2:45
